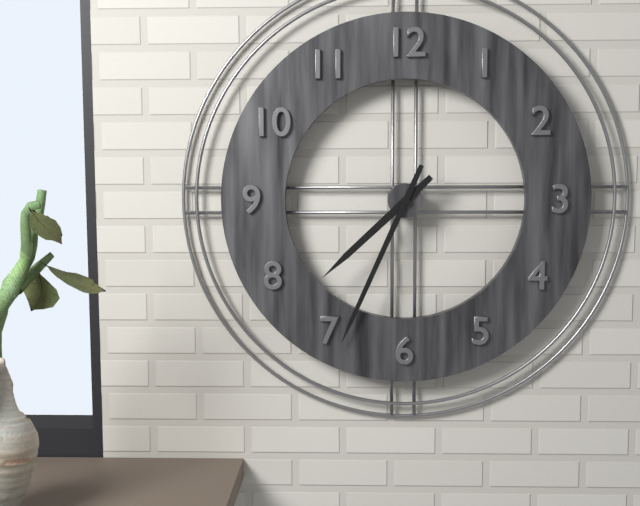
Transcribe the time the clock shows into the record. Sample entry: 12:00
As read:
7:34
